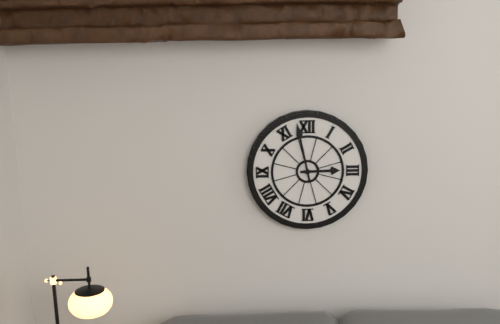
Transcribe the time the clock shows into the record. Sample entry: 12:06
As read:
2:58
